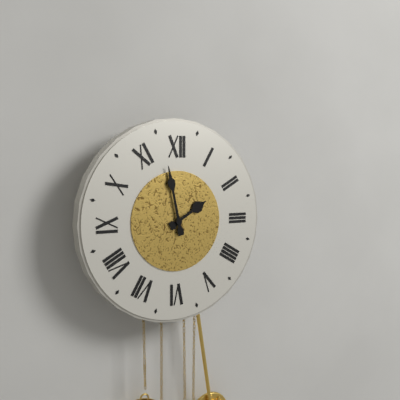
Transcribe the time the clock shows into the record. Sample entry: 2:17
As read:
1:58
